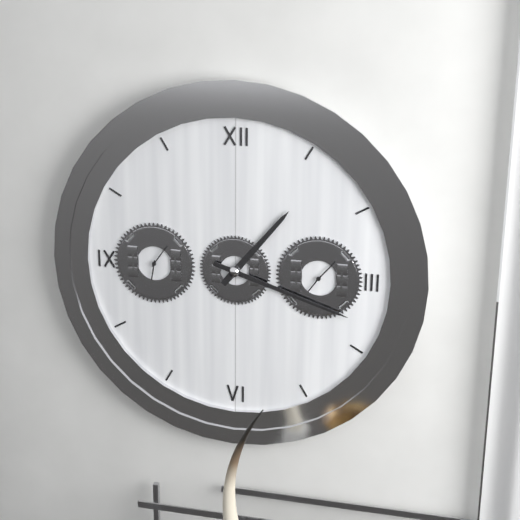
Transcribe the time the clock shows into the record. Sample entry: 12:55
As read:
1:18
